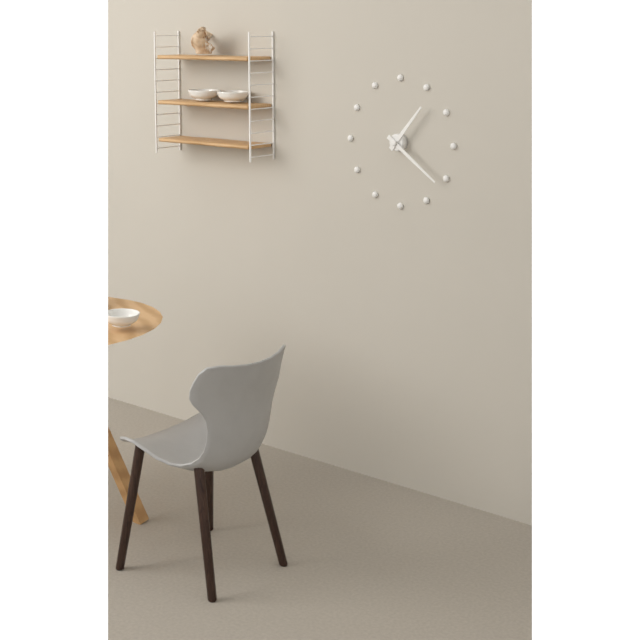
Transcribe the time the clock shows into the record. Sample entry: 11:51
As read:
1:21
